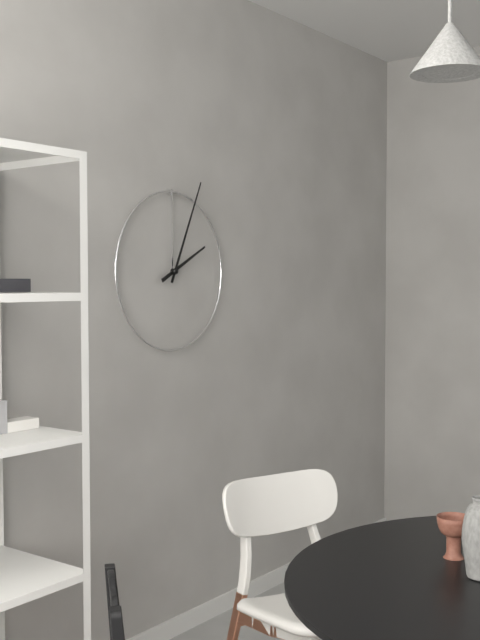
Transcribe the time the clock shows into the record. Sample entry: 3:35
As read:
2:04
